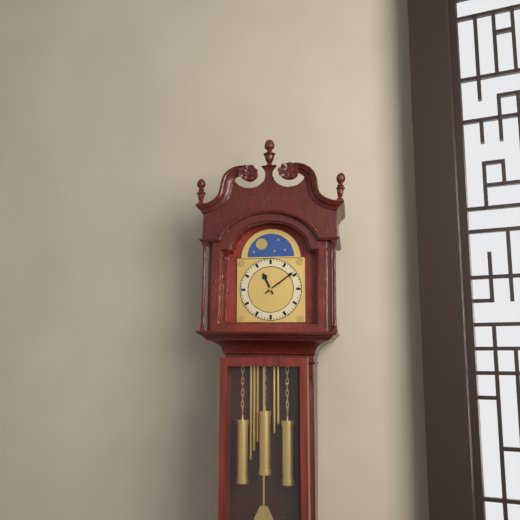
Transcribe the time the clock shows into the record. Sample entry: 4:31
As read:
11:09
